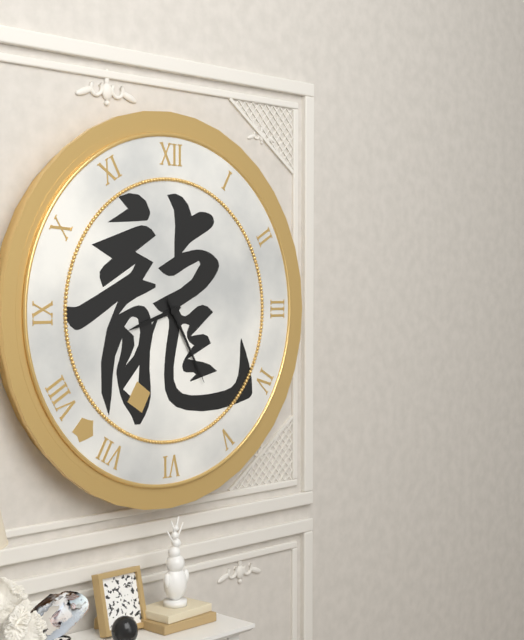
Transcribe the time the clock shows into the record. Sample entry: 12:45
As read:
8:25
